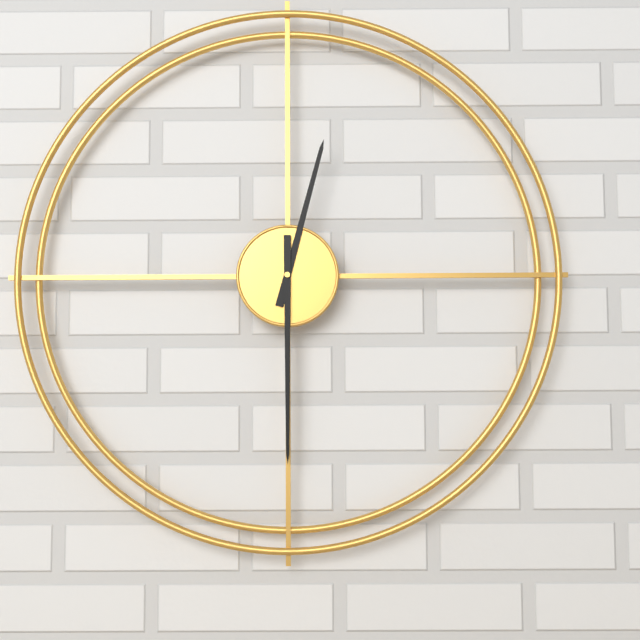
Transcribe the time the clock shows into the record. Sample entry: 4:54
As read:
12:30
